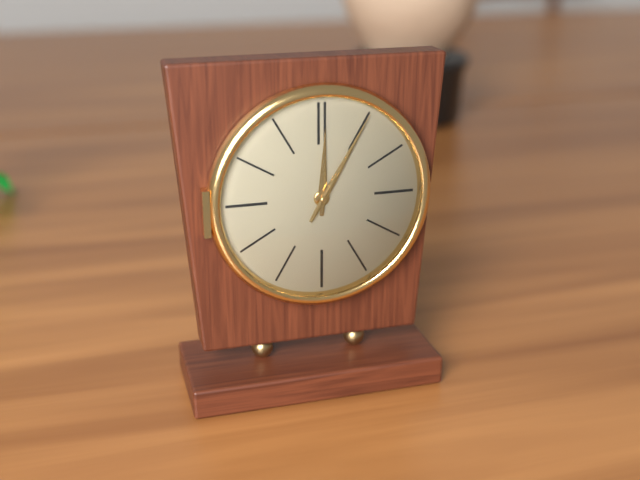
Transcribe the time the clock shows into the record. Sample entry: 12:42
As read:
12:05
